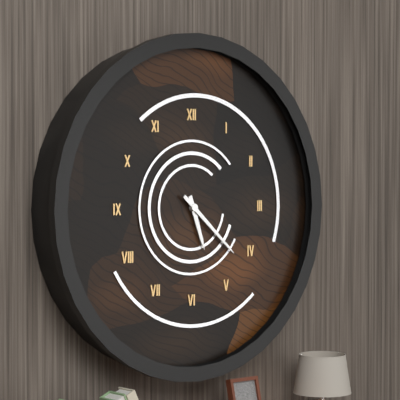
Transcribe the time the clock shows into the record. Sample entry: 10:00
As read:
5:22
